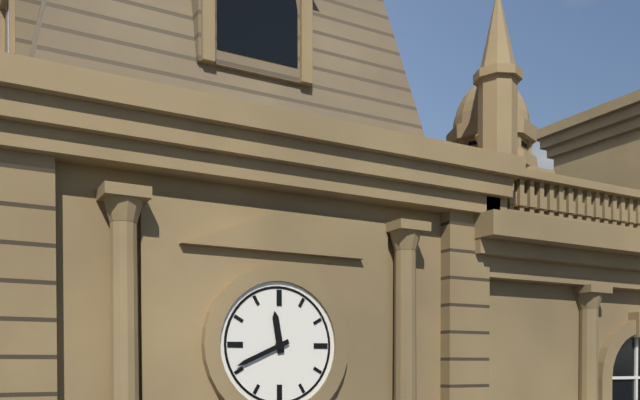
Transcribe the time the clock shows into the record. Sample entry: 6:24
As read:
11:41
